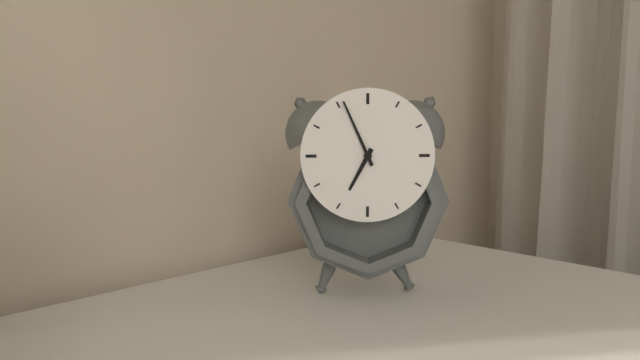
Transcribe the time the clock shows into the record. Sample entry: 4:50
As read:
6:56
